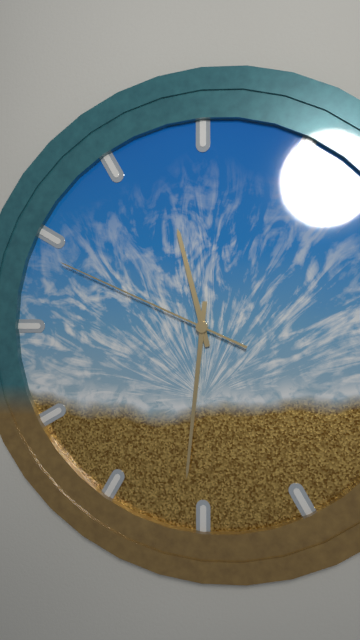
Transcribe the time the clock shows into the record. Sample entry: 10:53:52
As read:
11:31:49
